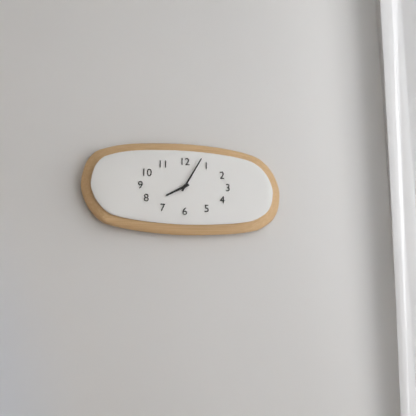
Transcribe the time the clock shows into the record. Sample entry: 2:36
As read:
8:05
